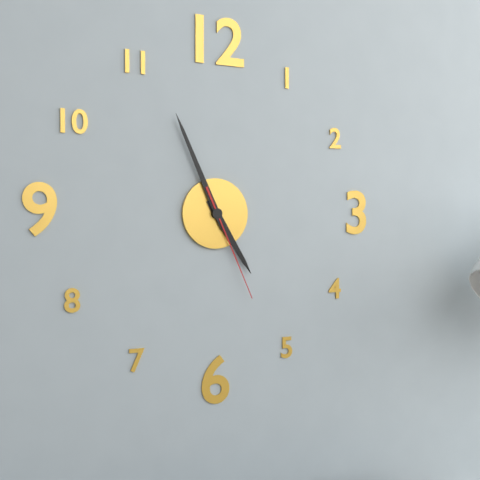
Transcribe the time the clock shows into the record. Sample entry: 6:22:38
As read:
4:56:26
